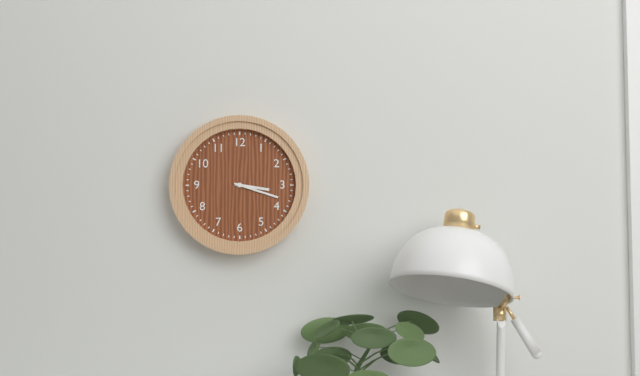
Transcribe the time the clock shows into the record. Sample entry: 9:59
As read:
3:18
